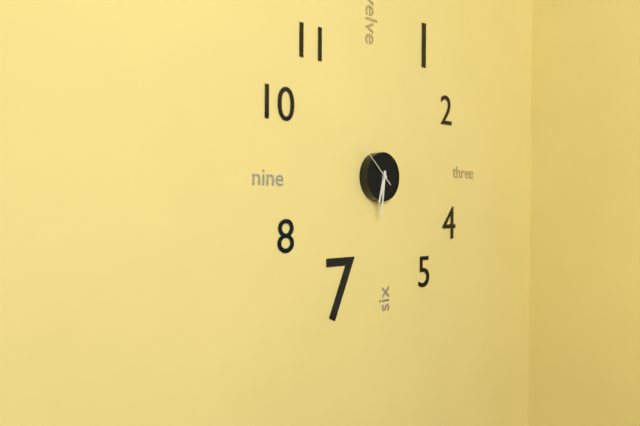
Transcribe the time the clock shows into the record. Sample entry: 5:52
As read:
6:31
